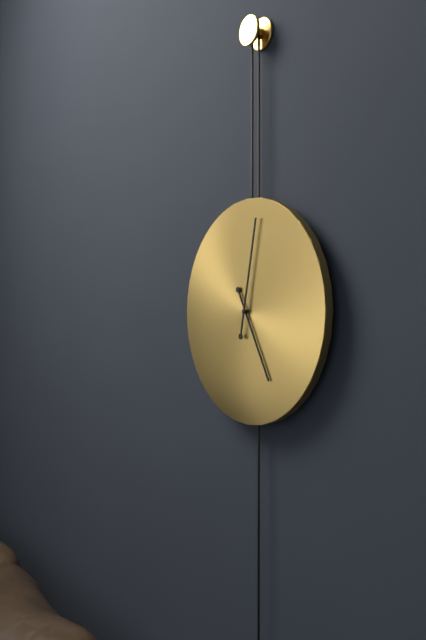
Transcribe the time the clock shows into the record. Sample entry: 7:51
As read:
5:02
